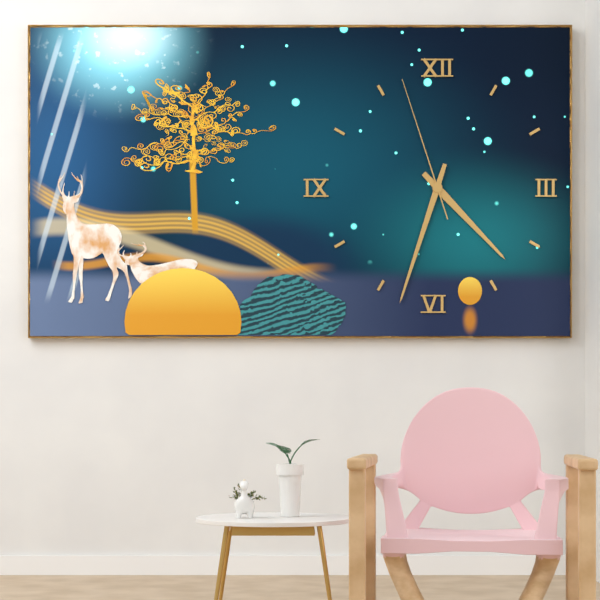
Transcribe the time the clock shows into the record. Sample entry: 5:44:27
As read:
4:33:57
